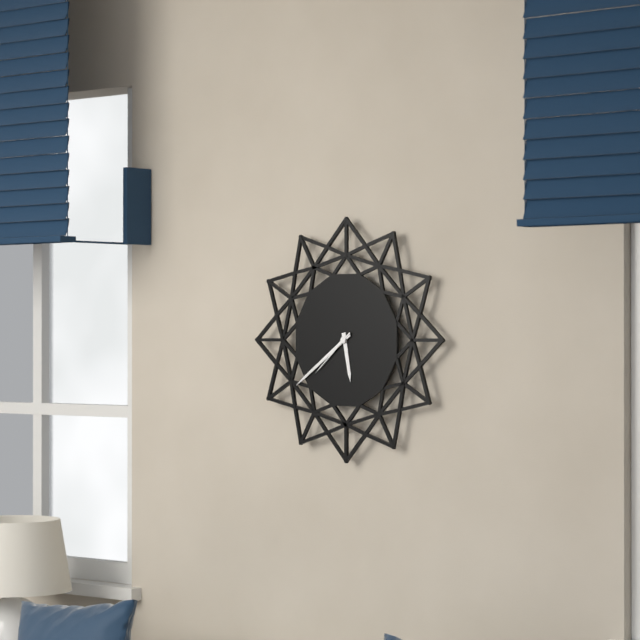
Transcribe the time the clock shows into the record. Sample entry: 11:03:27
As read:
5:39:38
